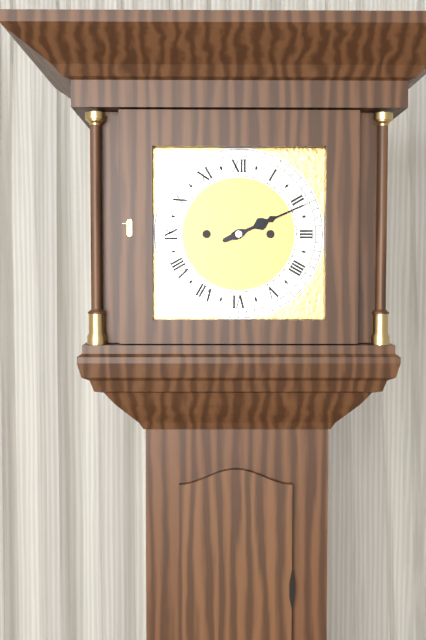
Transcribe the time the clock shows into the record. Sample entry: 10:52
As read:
2:11
